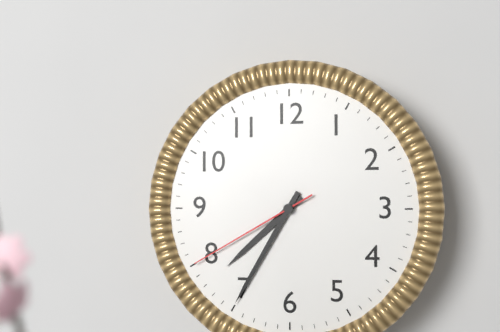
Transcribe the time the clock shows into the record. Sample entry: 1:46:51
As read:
7:35:40
